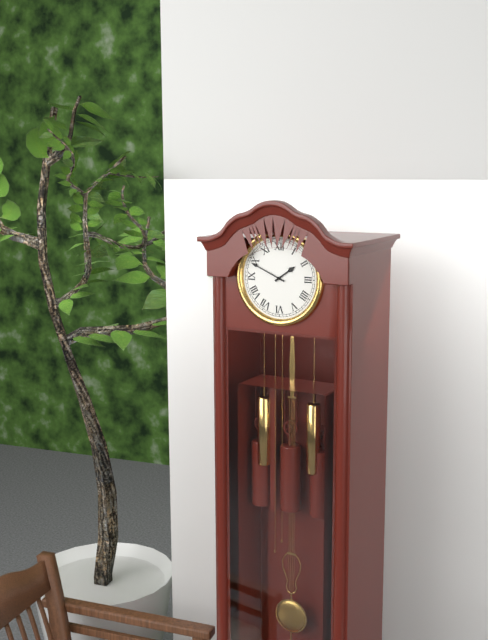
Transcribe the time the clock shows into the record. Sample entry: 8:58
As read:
1:49
